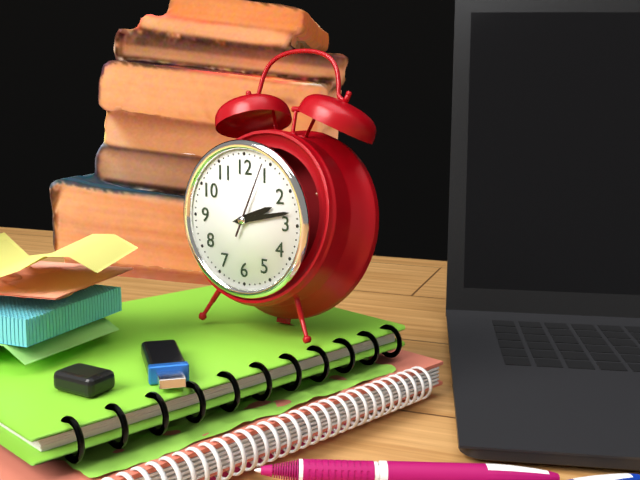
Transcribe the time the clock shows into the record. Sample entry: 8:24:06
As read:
2:13:04
